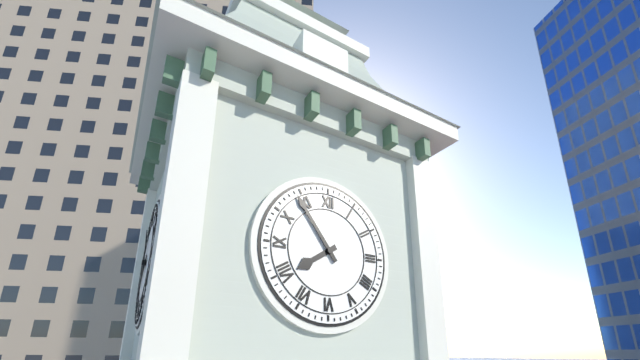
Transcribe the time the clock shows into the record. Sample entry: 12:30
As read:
7:54
